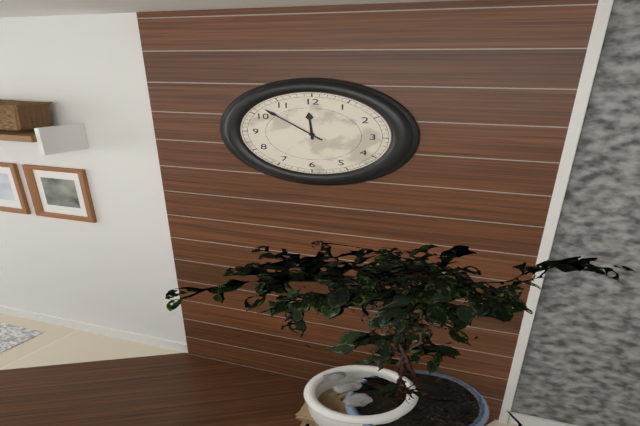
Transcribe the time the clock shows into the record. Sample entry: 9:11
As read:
11:52
